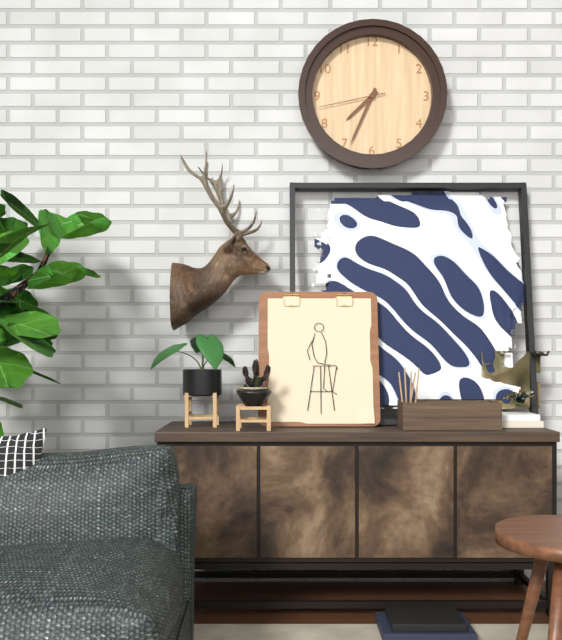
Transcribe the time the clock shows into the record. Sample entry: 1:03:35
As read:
7:34:43
